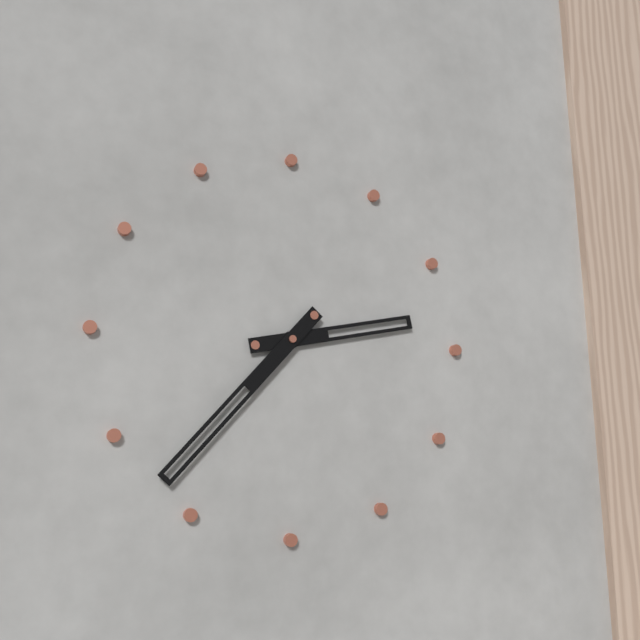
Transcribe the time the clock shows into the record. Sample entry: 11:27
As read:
2:37
